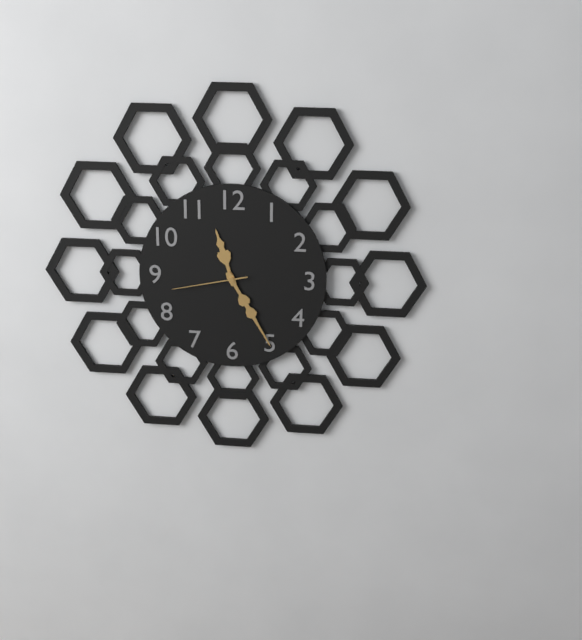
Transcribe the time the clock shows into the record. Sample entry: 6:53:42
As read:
11:25:43
